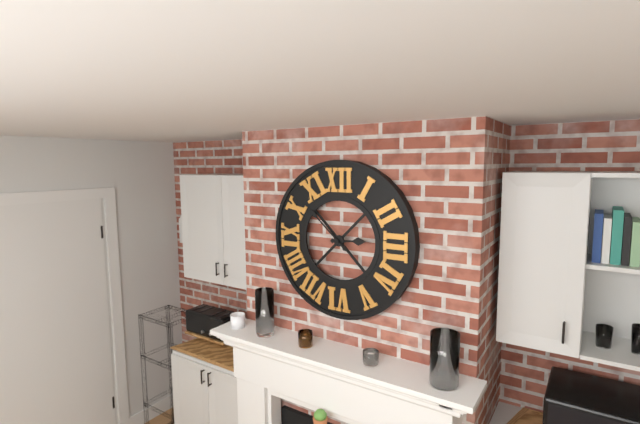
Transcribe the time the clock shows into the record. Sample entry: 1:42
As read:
2:52
